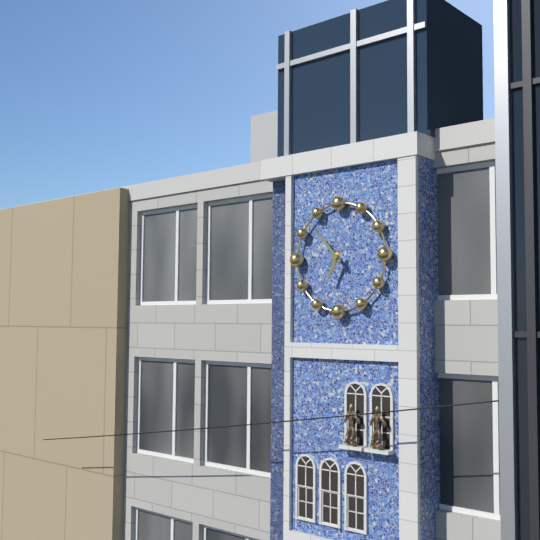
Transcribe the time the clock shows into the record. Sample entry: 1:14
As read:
6:53
